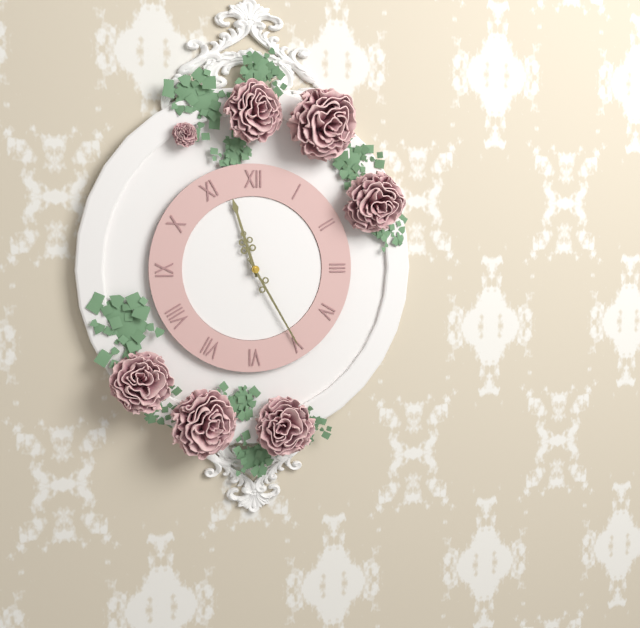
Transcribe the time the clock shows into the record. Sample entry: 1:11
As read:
11:25
